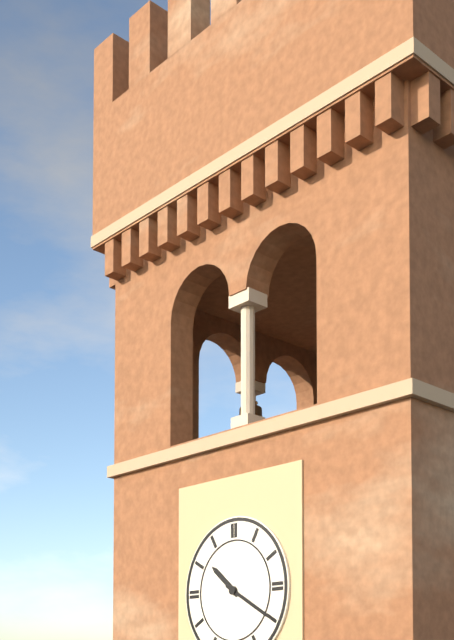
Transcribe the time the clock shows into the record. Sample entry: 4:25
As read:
10:20
